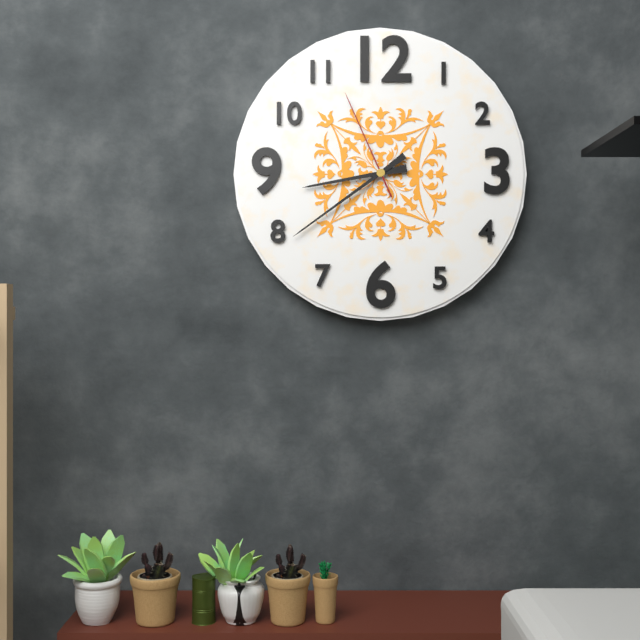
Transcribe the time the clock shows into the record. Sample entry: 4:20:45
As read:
8:39:56
